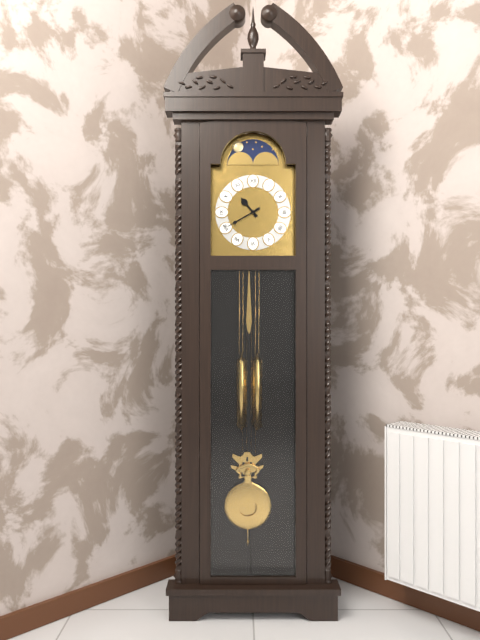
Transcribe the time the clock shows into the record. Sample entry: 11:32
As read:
10:40
